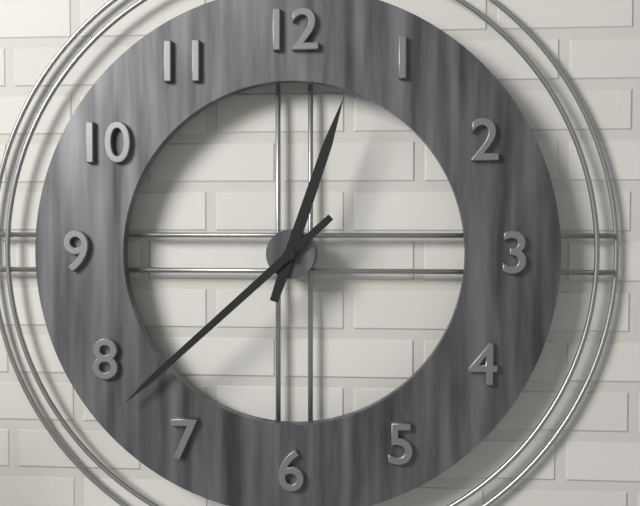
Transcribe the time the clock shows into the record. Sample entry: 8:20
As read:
12:38
